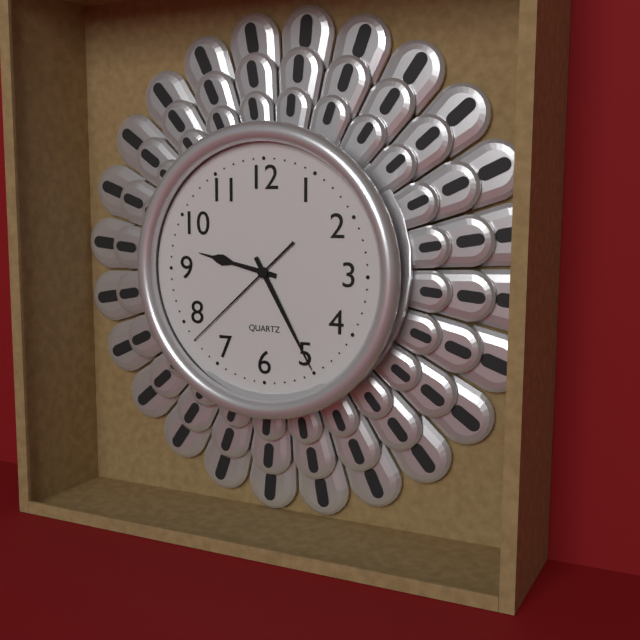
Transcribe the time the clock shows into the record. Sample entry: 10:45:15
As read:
9:25:38
